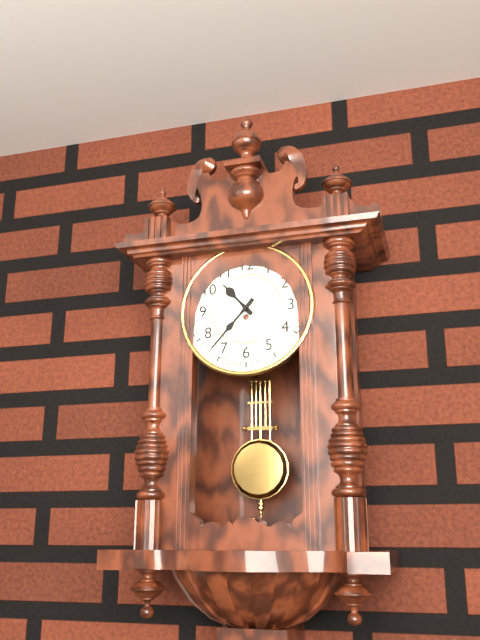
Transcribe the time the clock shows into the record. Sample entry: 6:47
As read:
10:37
